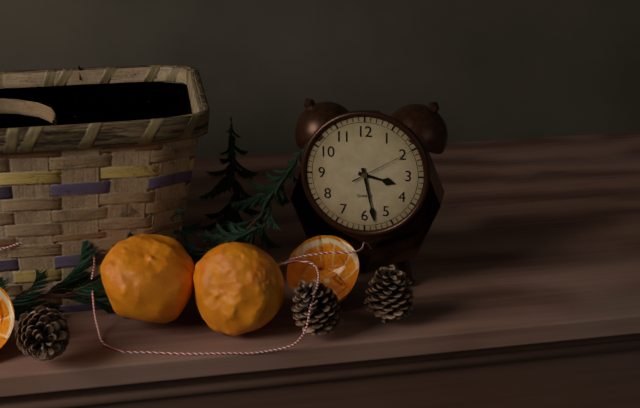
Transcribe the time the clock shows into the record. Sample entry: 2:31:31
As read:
3:28:10
